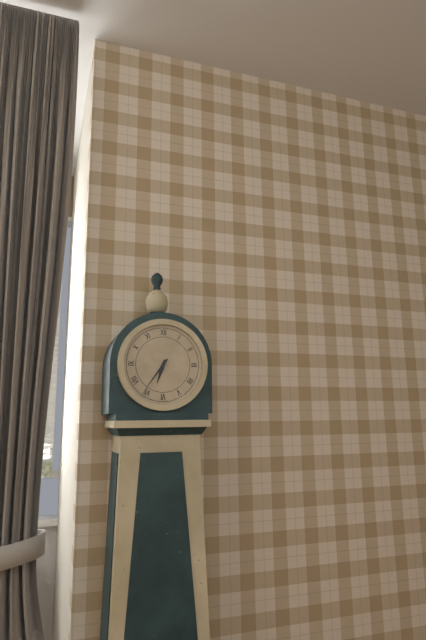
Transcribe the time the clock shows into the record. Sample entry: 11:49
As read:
6:36
